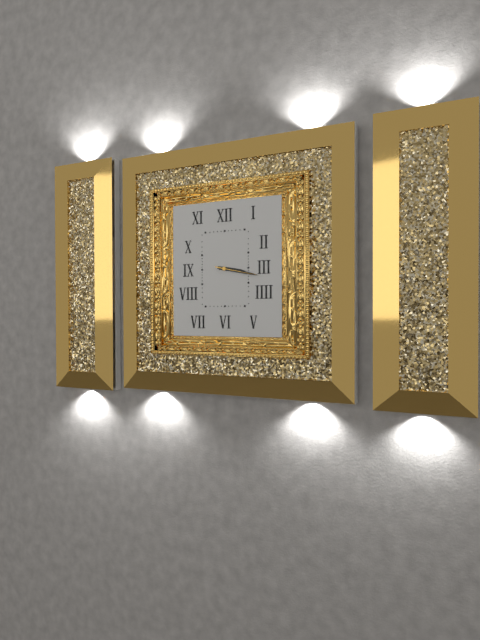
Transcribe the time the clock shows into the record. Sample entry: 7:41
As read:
3:17
